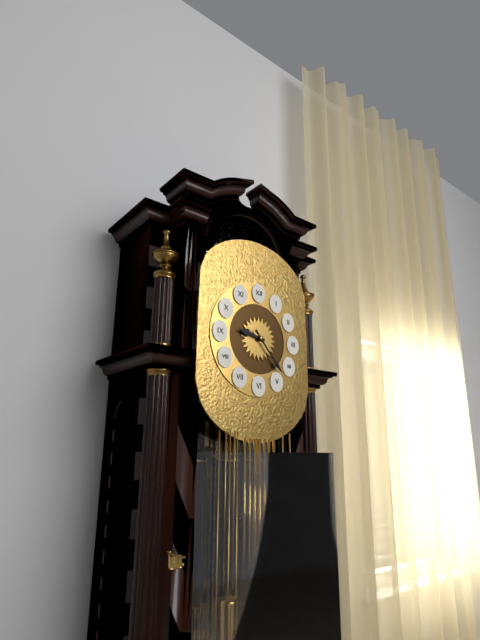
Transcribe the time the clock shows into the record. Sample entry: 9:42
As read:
9:23
